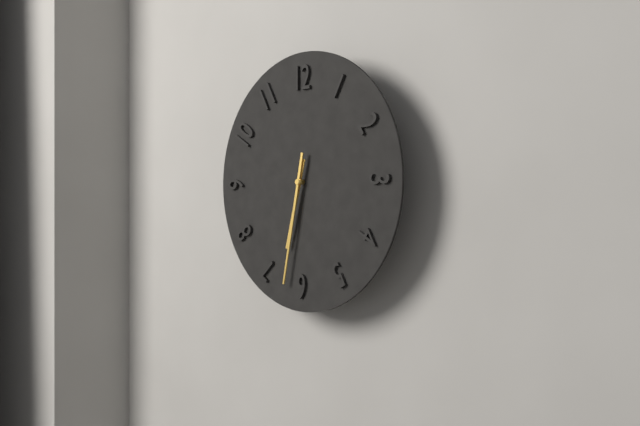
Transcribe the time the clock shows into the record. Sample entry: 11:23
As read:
6:32
